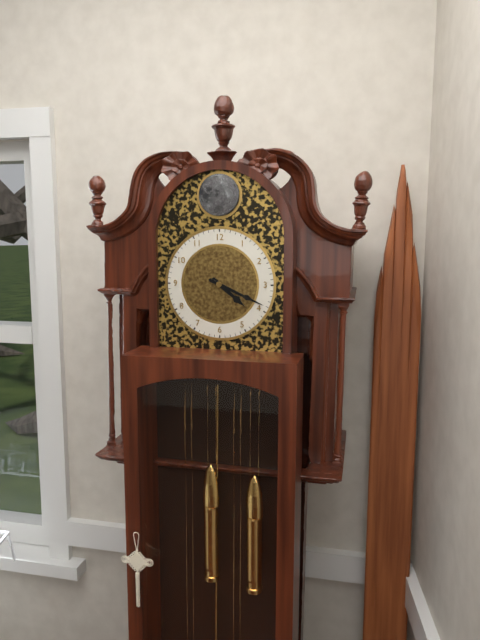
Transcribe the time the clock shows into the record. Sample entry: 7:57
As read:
4:19
